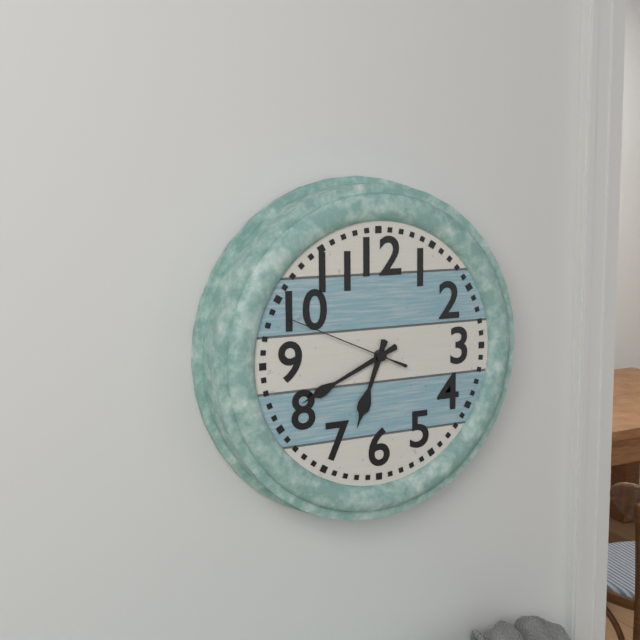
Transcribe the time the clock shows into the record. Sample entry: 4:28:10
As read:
6:41:49
